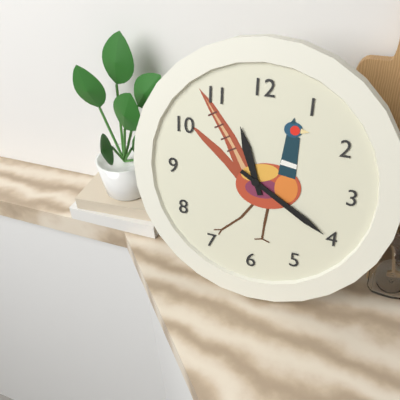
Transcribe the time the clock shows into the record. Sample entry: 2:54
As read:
11:20
